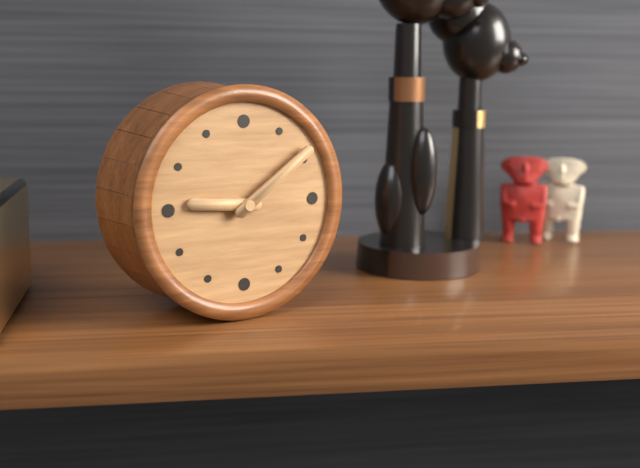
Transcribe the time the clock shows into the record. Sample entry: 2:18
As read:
9:09
